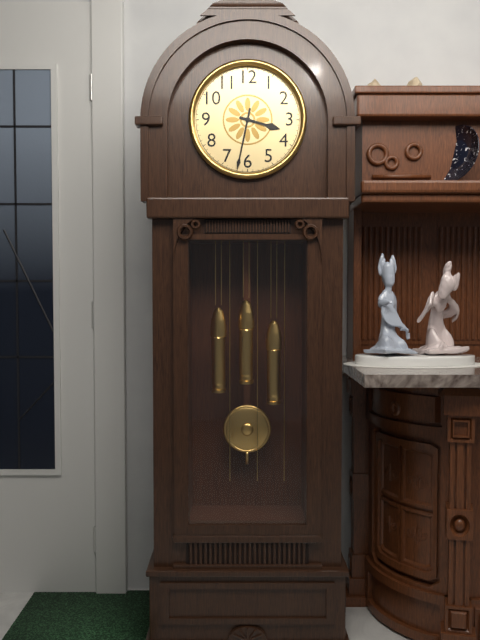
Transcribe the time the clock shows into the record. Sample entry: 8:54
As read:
3:32
